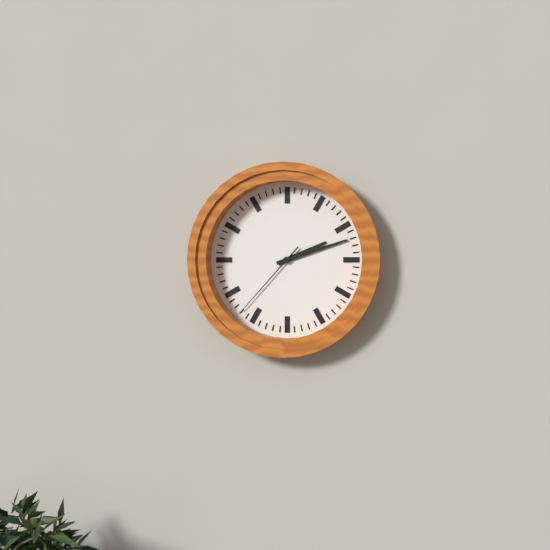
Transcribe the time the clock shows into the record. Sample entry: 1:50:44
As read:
2:12:37
